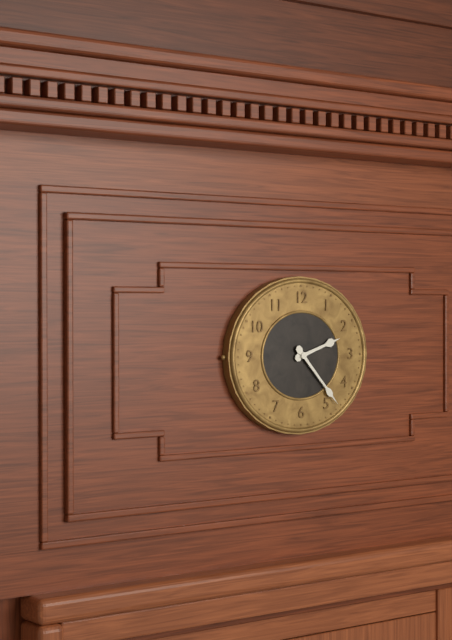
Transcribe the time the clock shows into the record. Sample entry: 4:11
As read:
2:23
